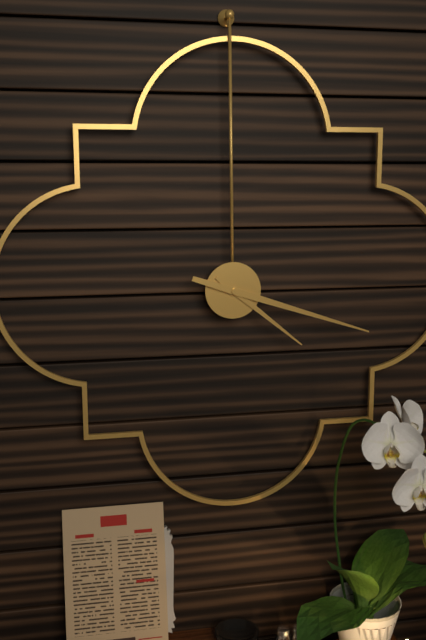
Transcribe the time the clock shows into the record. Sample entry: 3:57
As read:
4:18
